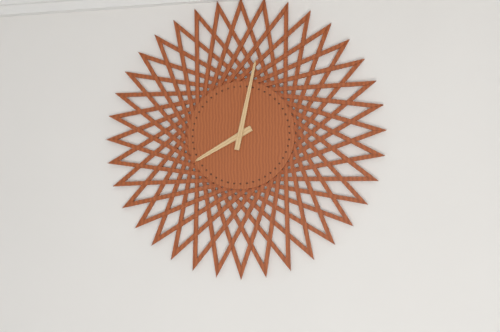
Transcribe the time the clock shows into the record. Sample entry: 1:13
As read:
8:02
